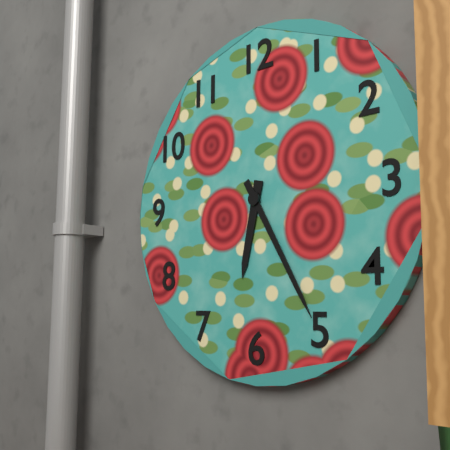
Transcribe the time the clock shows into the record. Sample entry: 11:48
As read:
6:25
